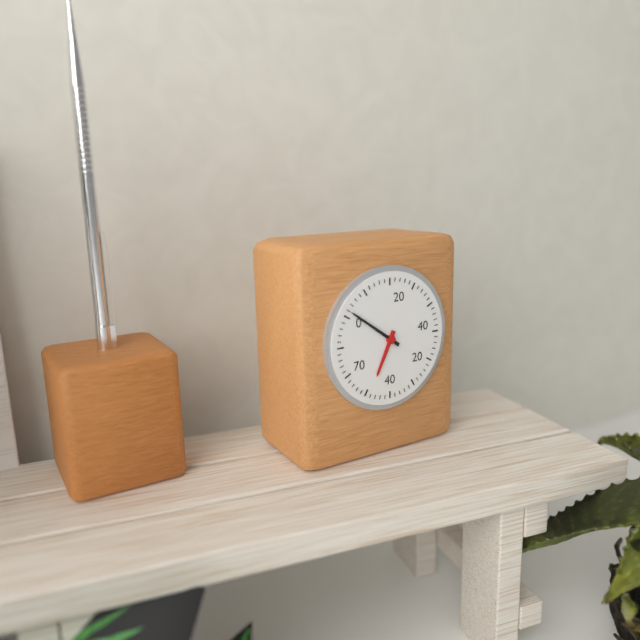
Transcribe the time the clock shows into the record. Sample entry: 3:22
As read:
6:51
